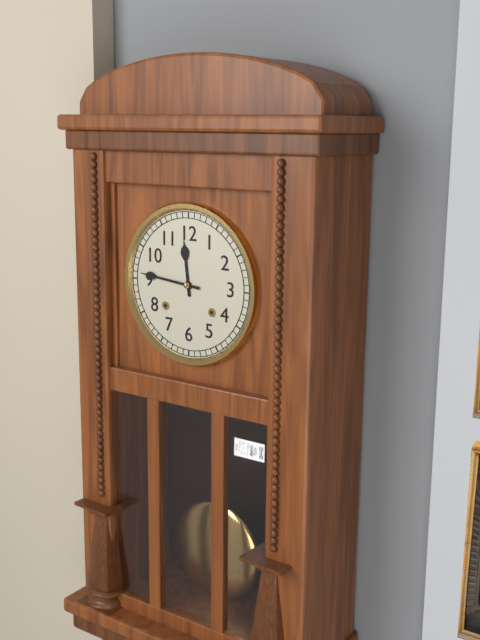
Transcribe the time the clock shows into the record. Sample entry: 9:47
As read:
11:46
